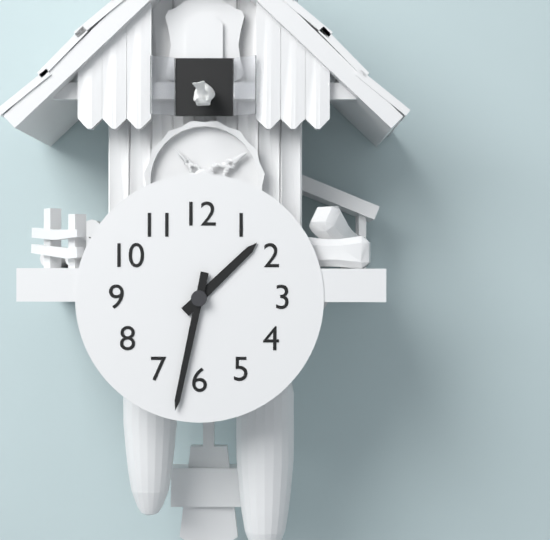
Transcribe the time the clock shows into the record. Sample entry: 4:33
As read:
1:32
